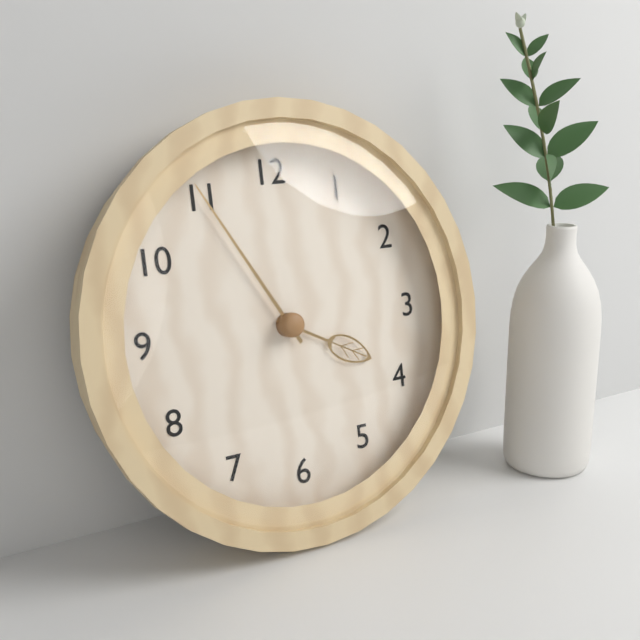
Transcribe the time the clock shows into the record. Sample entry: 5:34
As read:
3:55
